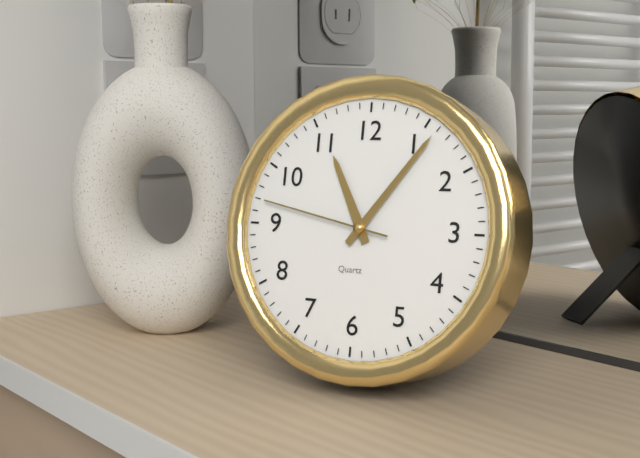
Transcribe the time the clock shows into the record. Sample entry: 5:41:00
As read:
11:06:47
